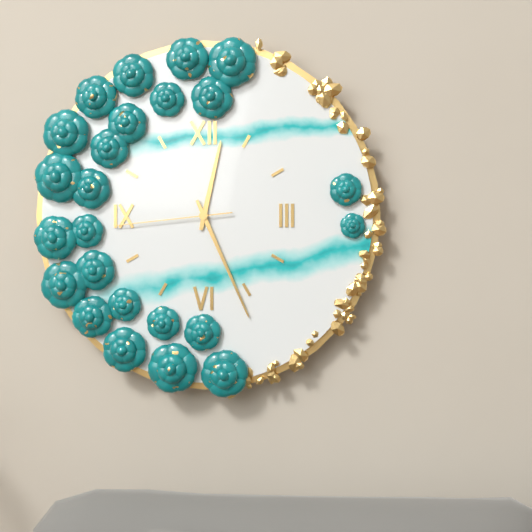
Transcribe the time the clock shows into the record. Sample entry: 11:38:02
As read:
12:26:44
